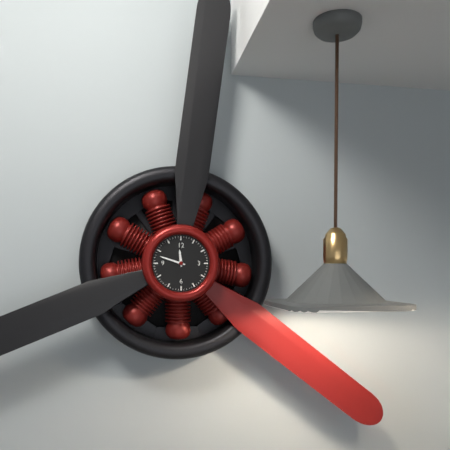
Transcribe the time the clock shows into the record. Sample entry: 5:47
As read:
11:48
